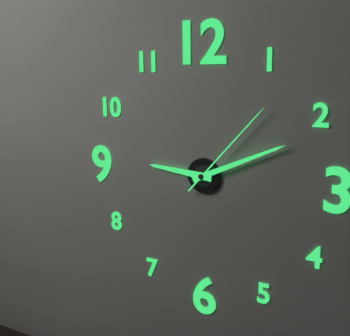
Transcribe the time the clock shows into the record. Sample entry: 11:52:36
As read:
9:11:07
